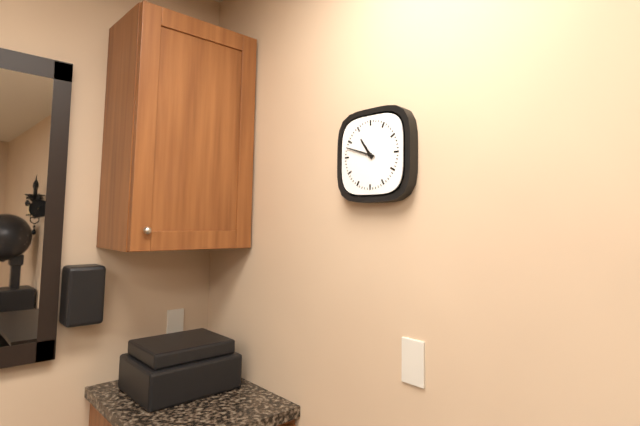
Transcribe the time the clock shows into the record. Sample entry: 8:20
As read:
10:48
